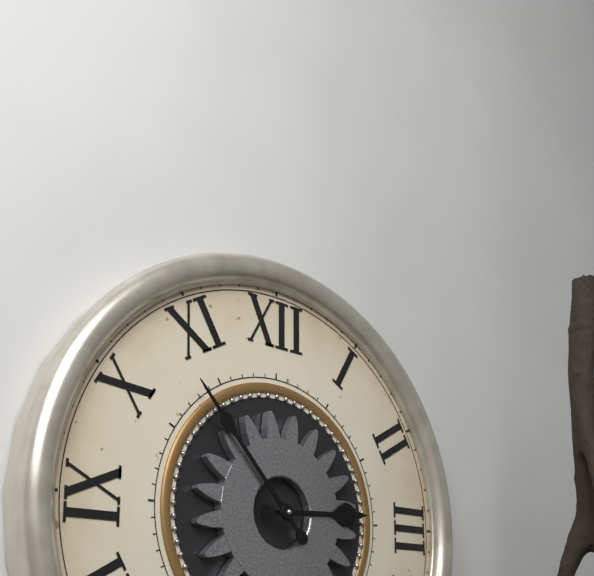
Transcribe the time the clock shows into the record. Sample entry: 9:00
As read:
2:53
